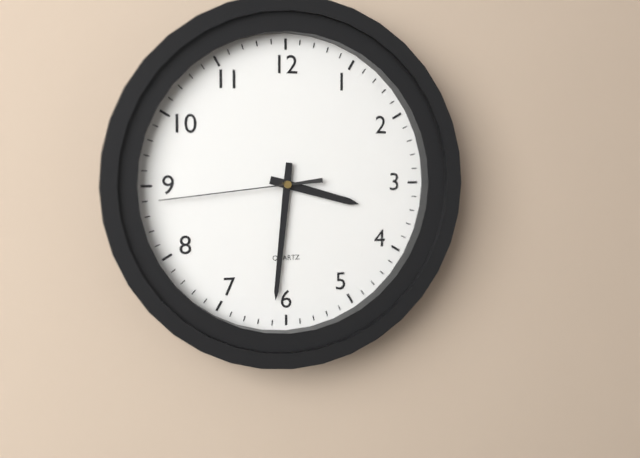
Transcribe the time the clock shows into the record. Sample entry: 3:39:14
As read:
3:31:44
